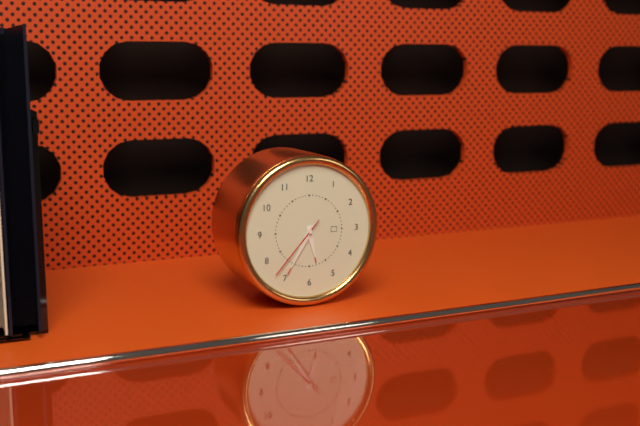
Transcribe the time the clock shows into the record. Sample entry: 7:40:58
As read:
5:35:37
